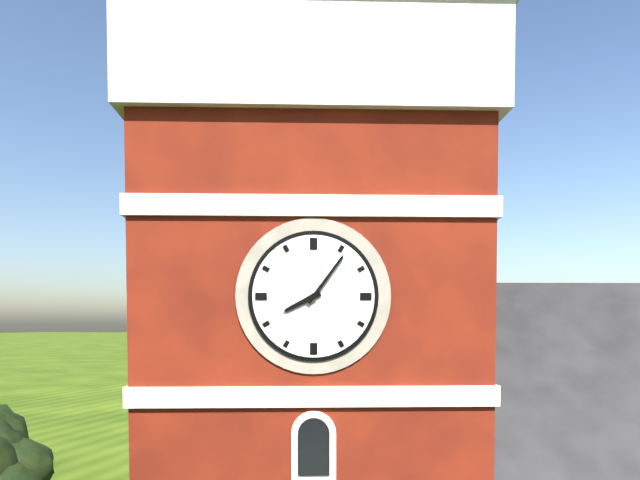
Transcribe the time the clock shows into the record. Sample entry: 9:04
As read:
8:06
